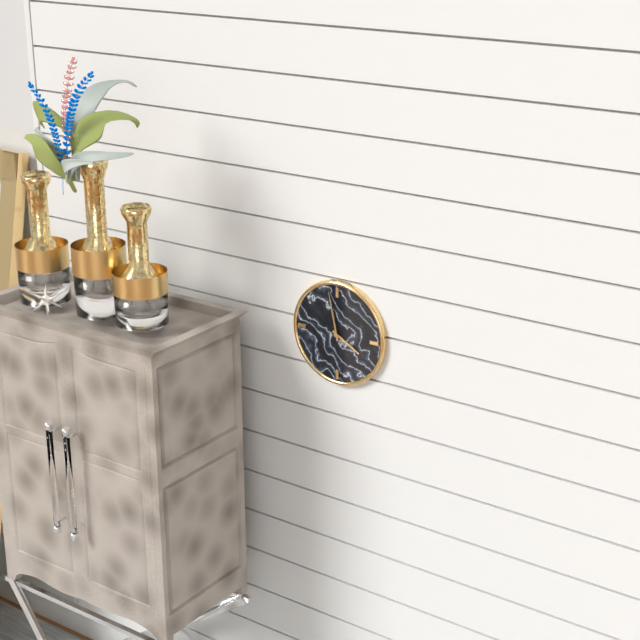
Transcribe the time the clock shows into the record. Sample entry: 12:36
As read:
3:58
